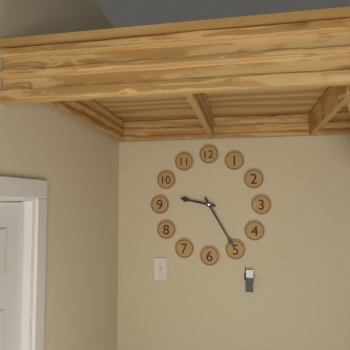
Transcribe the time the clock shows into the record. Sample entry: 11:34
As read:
9:25
